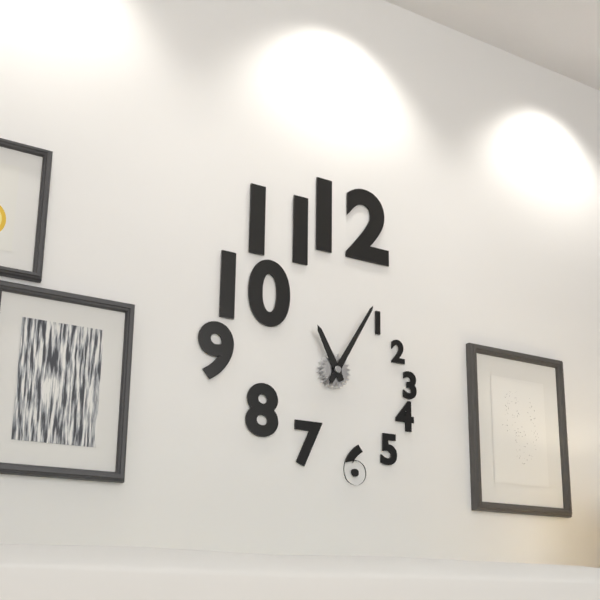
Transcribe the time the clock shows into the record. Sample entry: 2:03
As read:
11:05
